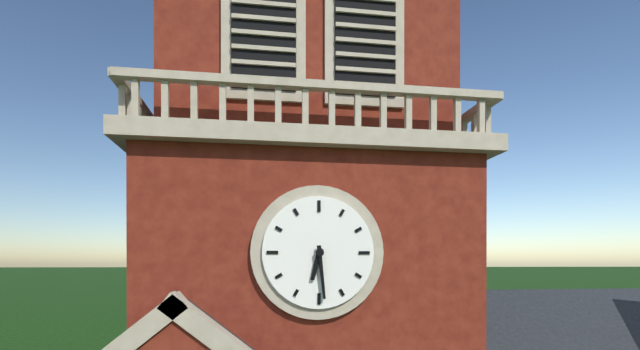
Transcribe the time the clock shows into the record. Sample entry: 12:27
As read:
6:29
